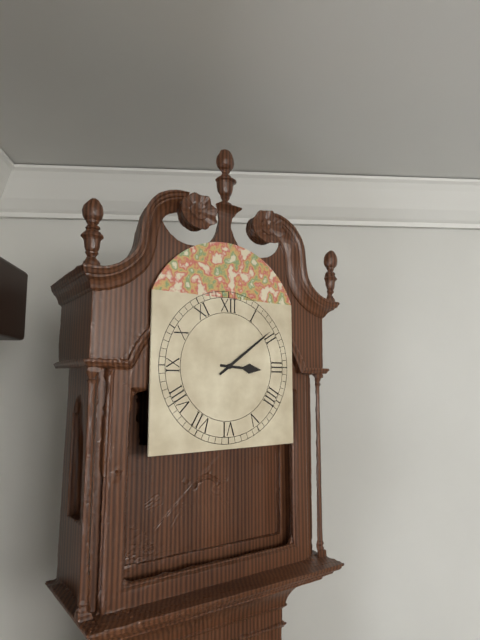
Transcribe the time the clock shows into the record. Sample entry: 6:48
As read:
3:09
